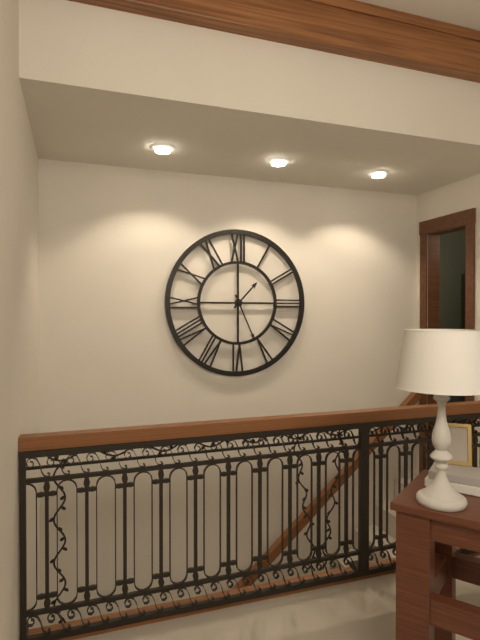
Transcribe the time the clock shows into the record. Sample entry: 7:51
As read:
1:26
